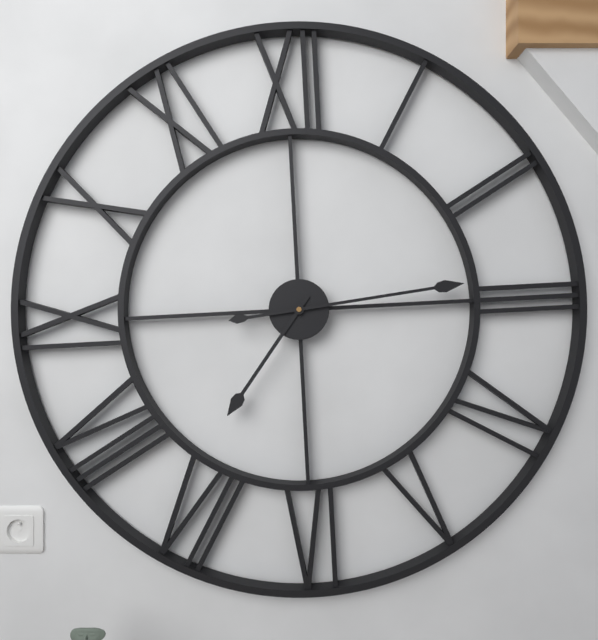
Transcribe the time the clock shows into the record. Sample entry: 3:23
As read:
7:14
